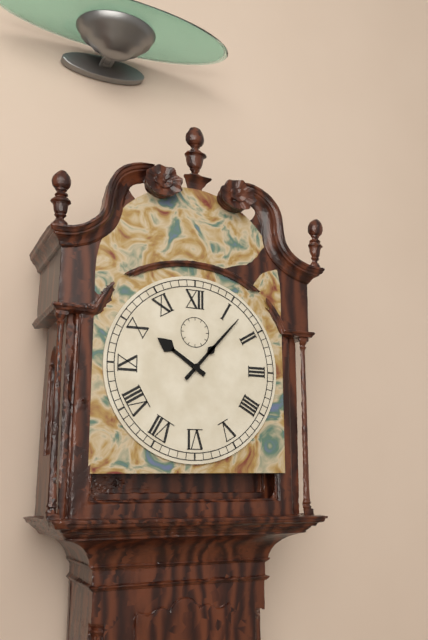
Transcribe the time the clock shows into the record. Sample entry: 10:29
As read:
10:07
